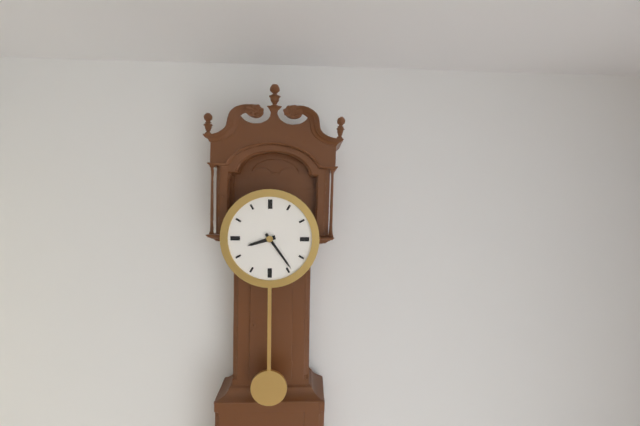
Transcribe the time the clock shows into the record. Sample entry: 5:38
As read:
8:24
